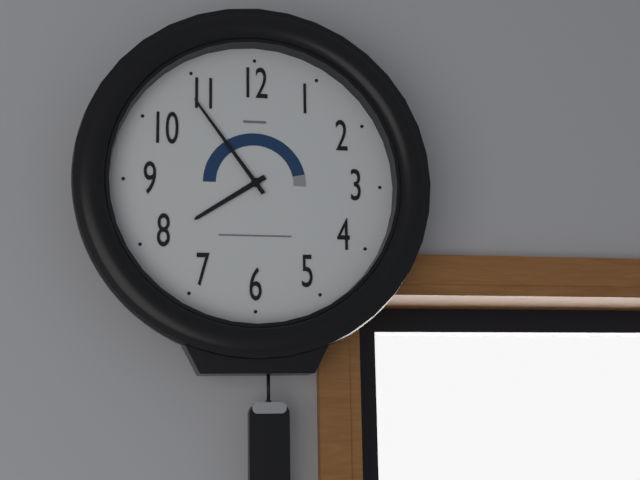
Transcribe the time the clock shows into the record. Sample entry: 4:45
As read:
7:54
